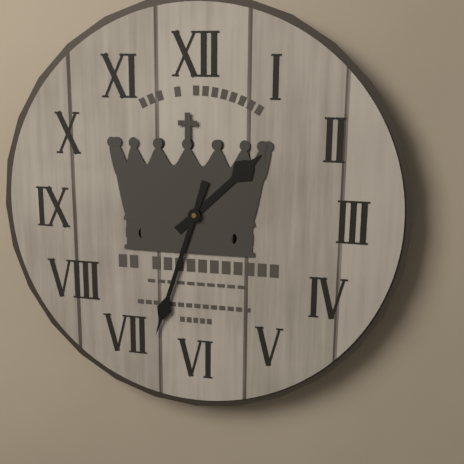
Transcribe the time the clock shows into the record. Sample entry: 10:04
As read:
1:33
